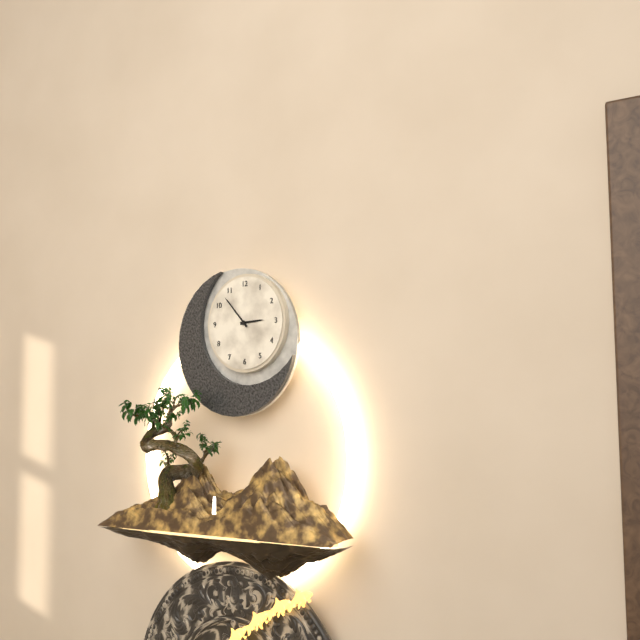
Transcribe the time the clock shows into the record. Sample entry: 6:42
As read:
2:53
